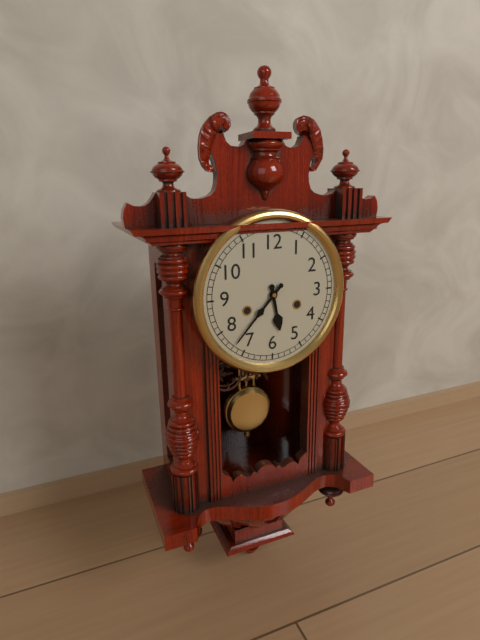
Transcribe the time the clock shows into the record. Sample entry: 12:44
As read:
5:37
